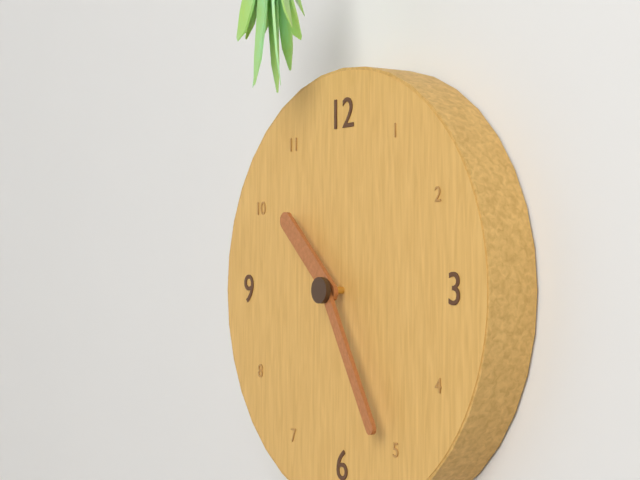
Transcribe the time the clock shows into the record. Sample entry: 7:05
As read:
10:25
